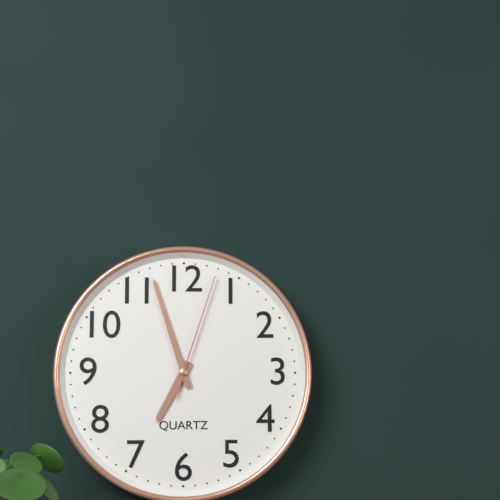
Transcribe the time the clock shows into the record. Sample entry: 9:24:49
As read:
6:57:03
